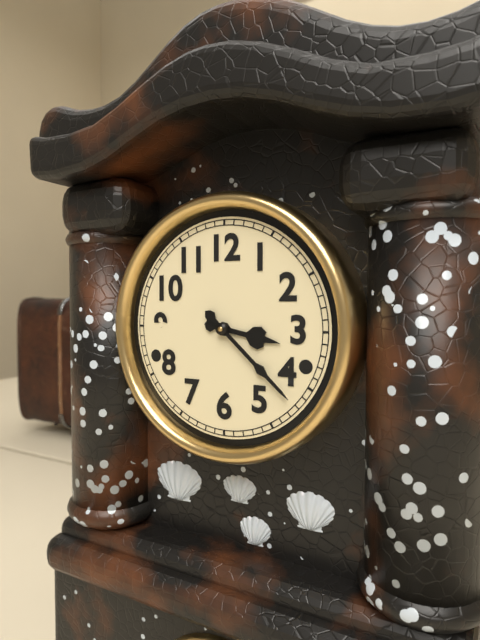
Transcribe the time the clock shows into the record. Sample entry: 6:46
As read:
3:22
